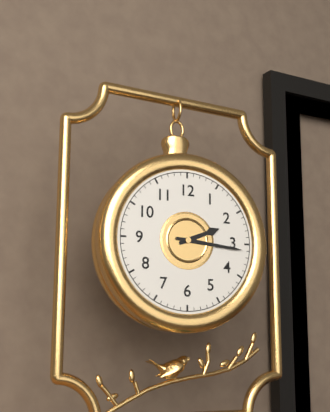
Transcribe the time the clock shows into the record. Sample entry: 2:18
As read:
2:16
